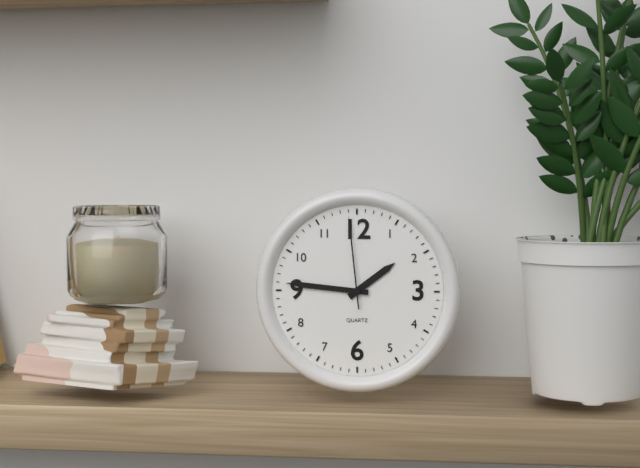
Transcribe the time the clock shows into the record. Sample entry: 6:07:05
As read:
1:46:59
